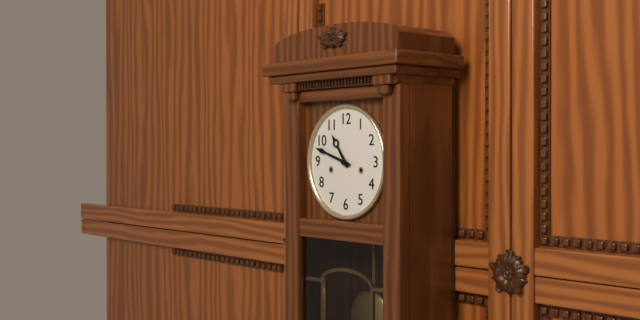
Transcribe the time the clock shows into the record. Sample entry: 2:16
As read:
10:48
